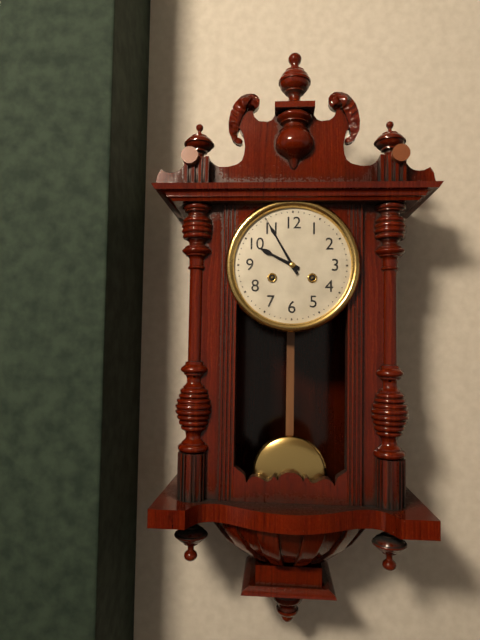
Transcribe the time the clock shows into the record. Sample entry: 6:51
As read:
9:55
